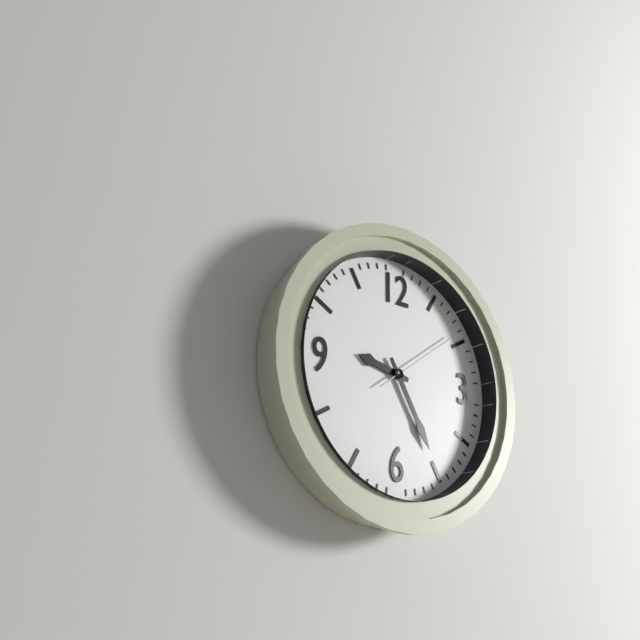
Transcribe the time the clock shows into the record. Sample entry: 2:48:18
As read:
9:25:09
